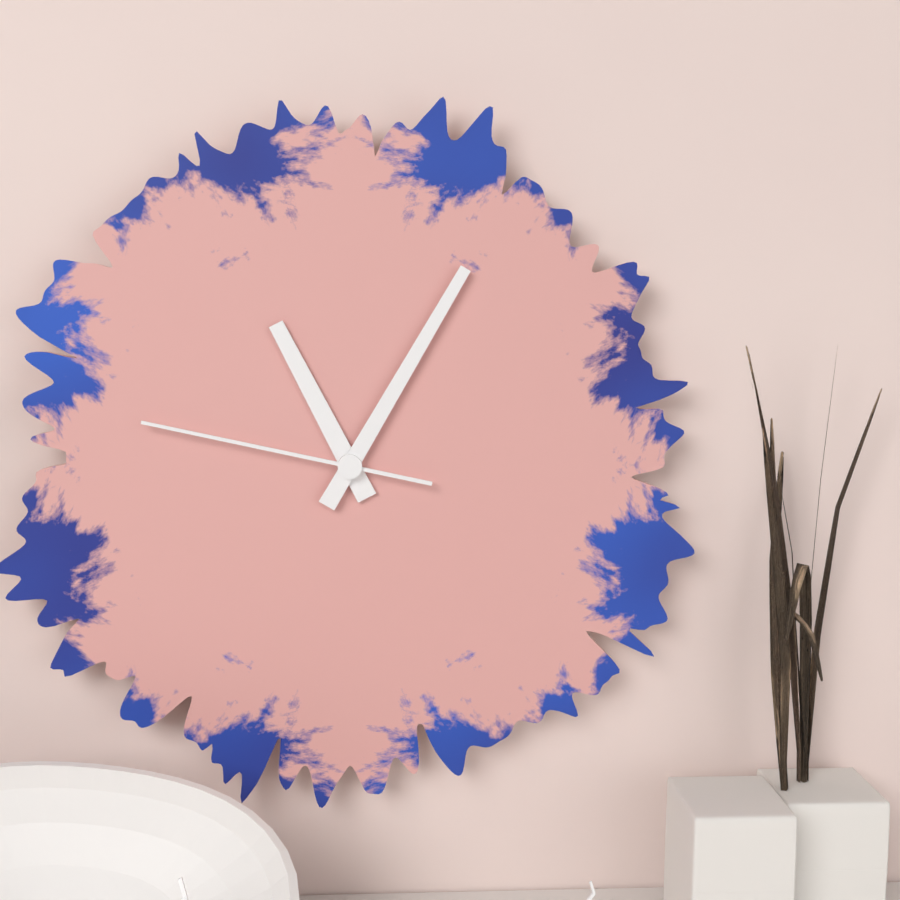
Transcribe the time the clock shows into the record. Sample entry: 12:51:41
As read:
11:05:47
